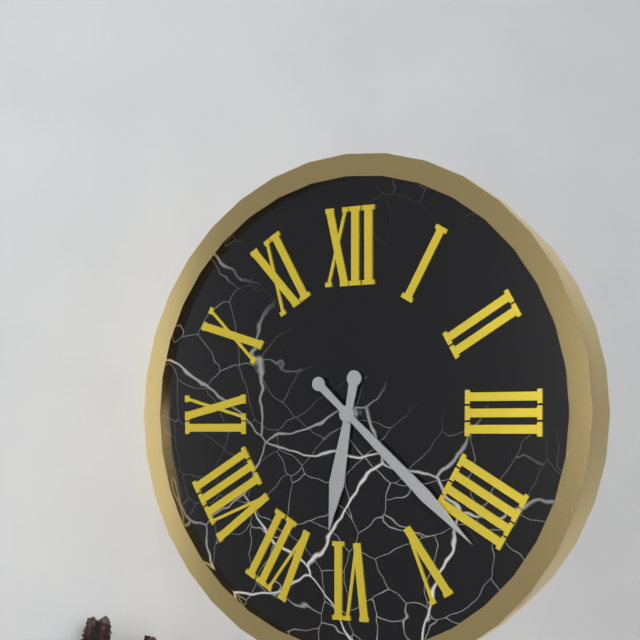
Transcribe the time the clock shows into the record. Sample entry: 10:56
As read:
6:22
